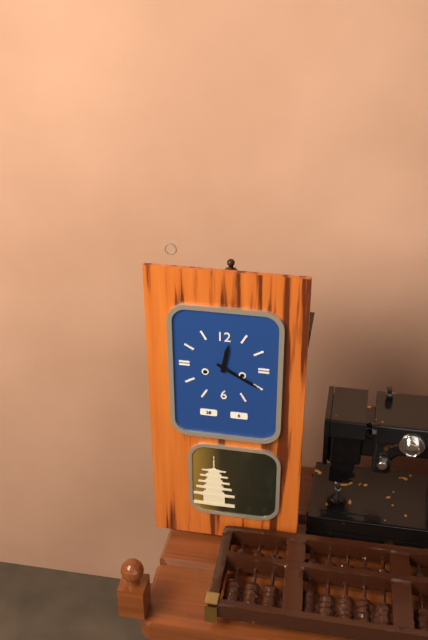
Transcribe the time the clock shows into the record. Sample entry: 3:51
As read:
12:20
